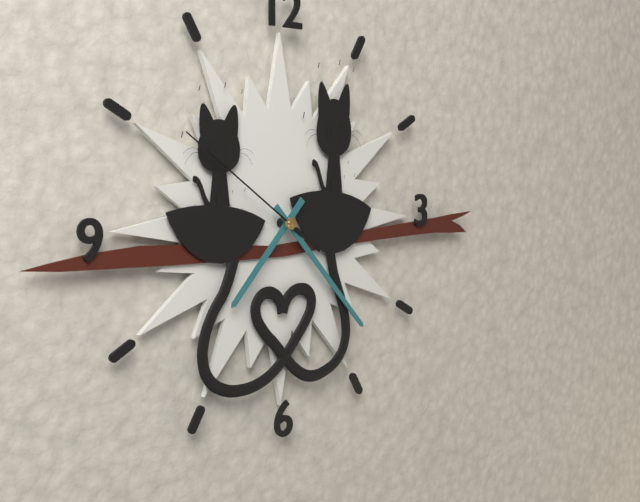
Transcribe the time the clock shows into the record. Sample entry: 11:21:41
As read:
7:23:51
